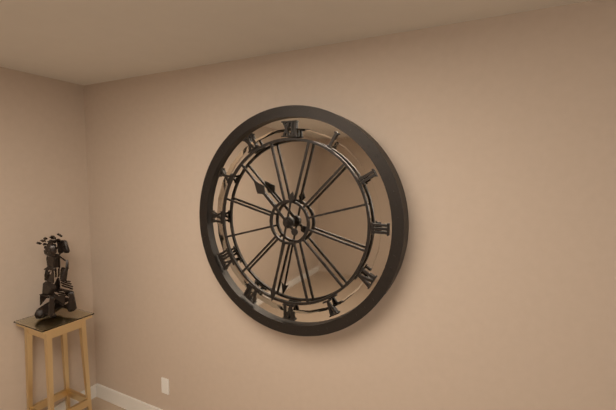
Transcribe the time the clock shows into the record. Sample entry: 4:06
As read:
10:32
